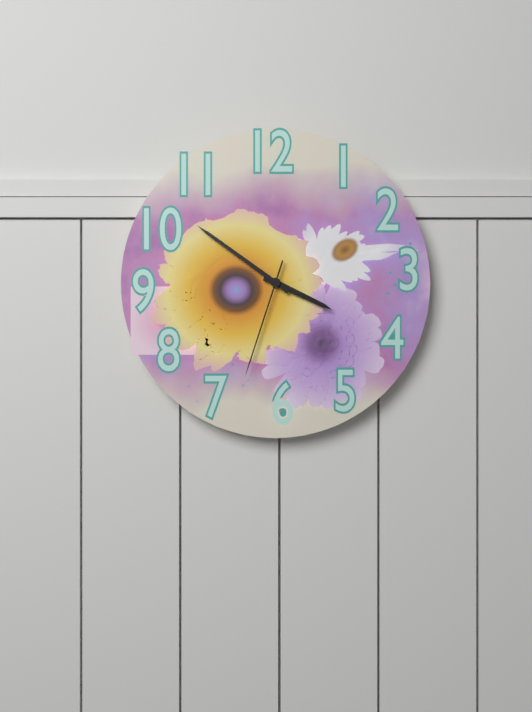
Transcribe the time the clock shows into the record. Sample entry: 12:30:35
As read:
3:51:33
